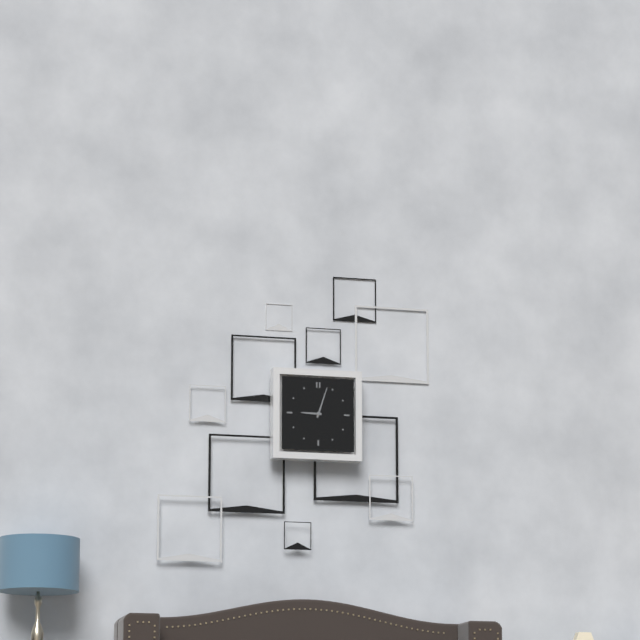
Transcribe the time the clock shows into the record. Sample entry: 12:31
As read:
9:03
